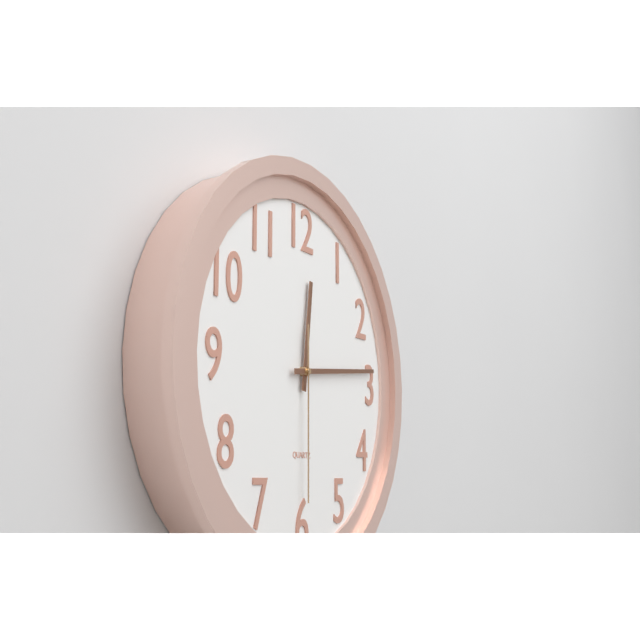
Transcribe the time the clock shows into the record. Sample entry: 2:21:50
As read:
12:14:30
